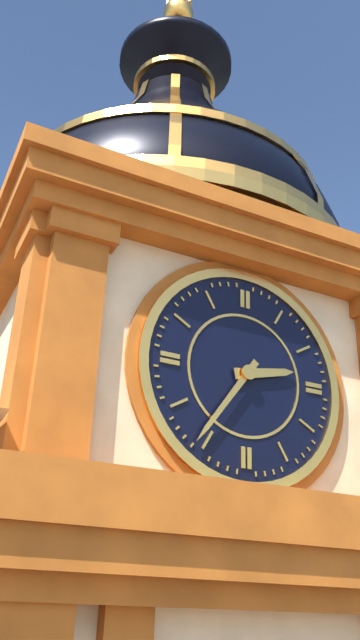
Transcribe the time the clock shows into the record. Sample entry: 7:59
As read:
2:36
